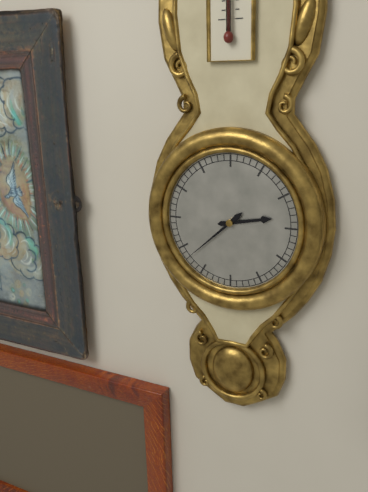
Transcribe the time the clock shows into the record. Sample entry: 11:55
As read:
2:38
